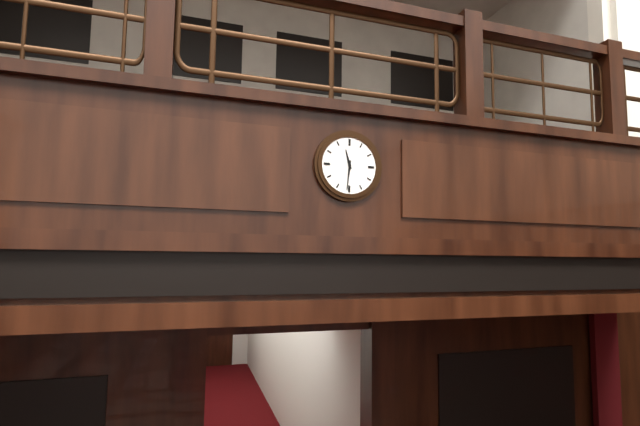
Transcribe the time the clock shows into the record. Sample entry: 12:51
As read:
11:31
